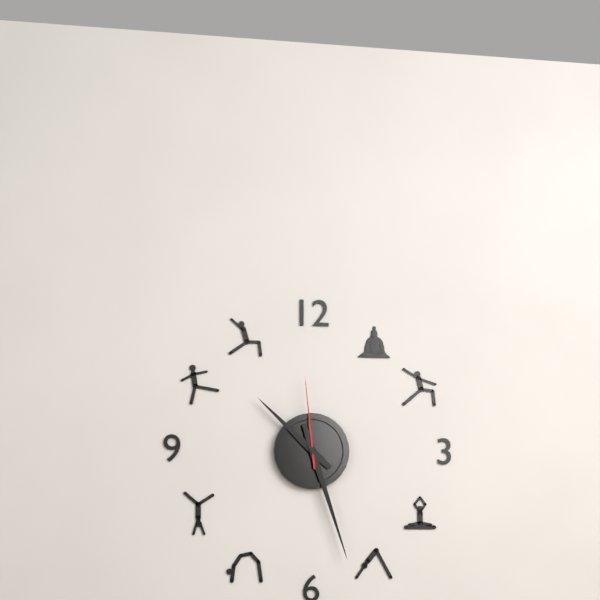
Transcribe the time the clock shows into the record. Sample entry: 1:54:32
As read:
10:27:59
